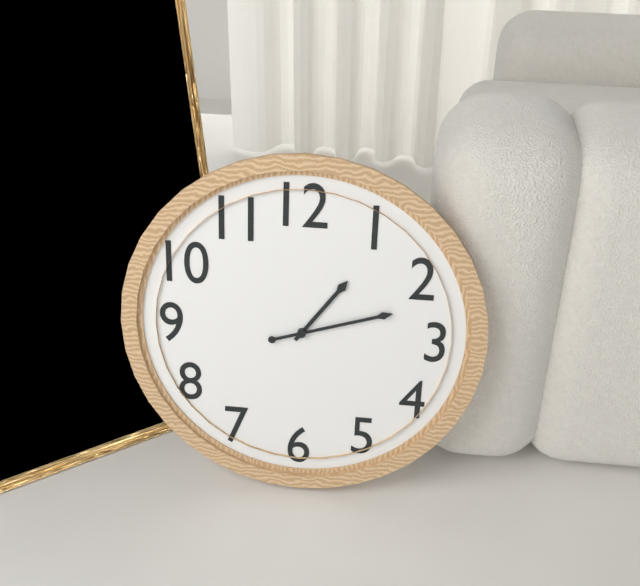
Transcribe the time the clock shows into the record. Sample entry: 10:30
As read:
1:12
